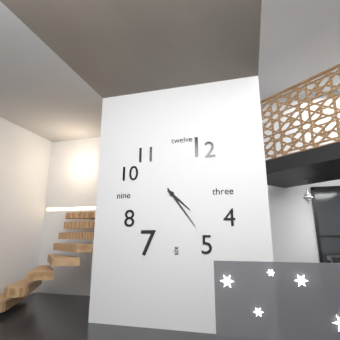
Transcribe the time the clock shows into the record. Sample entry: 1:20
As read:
4:24
